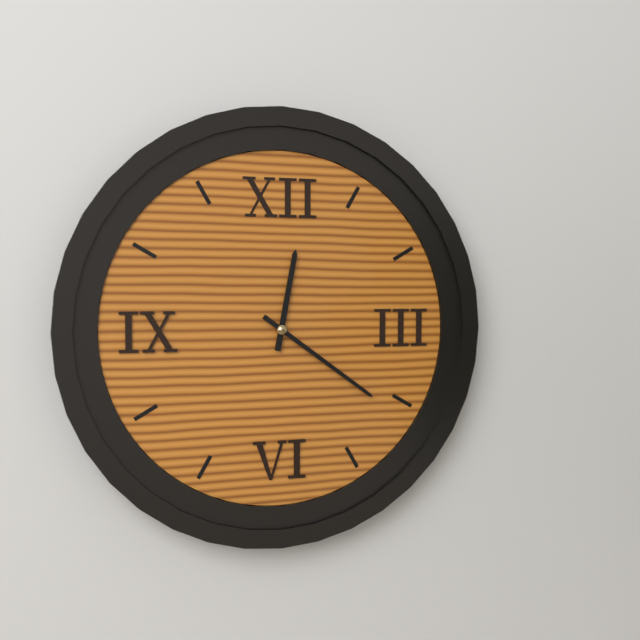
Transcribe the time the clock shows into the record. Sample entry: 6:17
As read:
12:21
